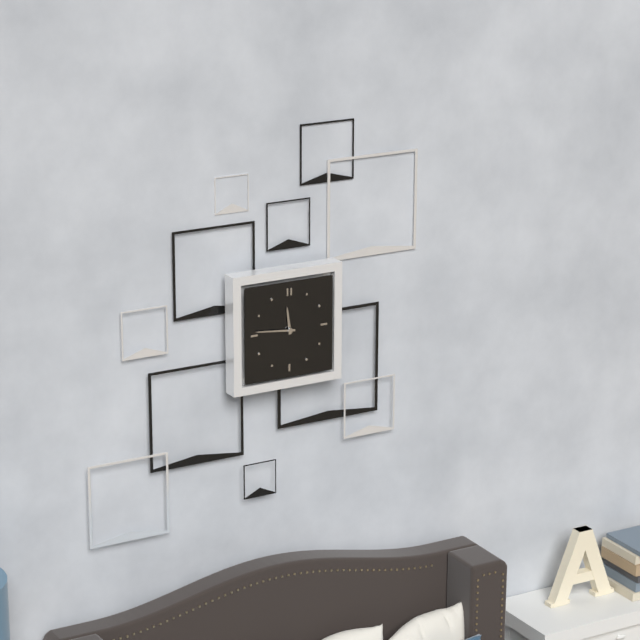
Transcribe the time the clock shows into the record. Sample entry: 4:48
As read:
11:46
